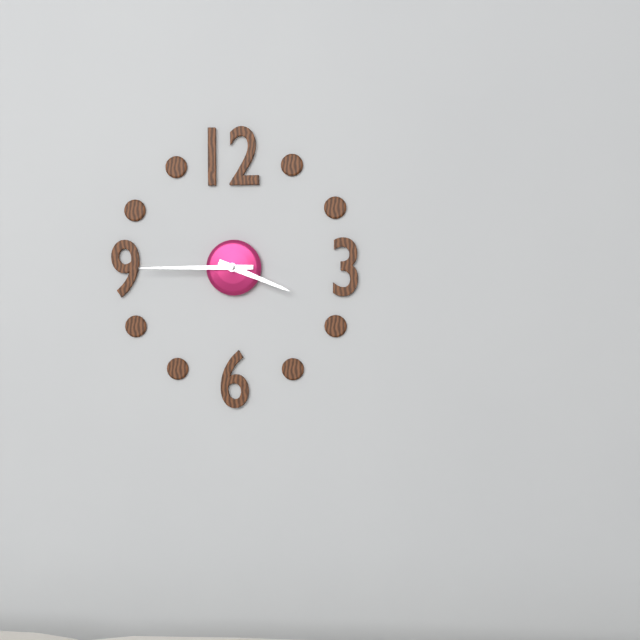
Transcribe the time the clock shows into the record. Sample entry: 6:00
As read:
3:45
